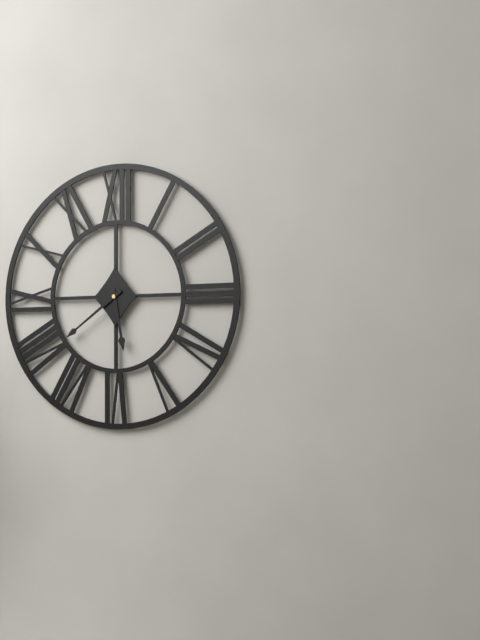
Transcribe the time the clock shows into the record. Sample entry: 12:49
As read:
5:39
